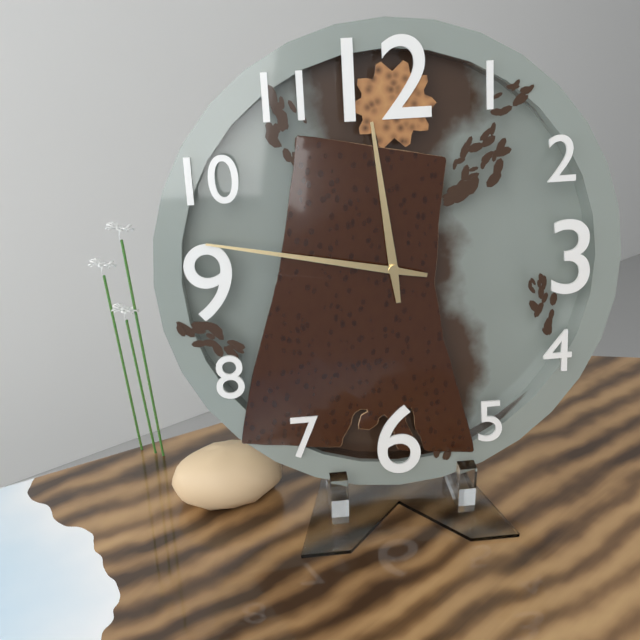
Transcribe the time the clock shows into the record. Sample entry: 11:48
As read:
11:47
